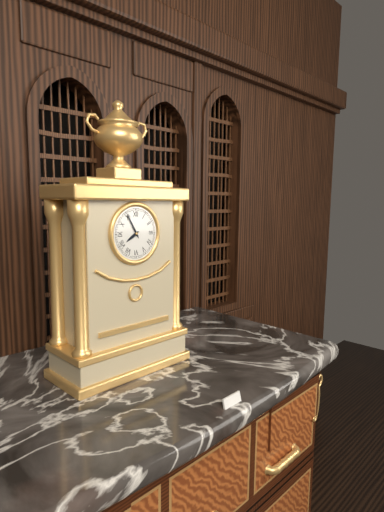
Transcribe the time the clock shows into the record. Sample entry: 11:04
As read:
7:55
